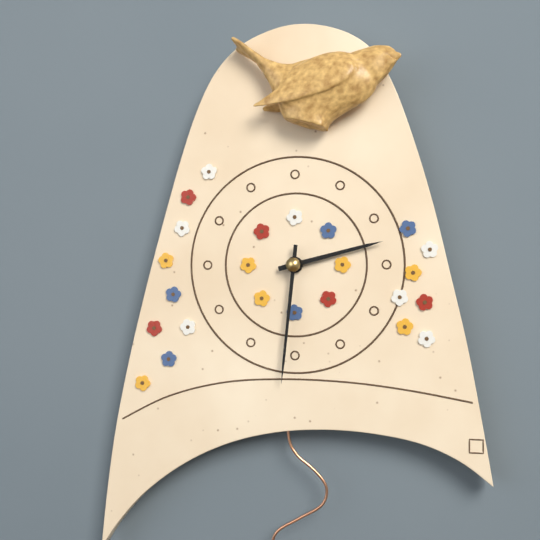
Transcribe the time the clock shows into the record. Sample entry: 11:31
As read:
2:31
